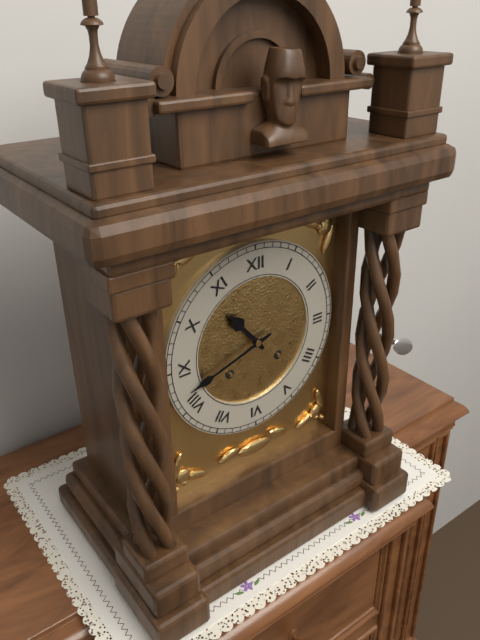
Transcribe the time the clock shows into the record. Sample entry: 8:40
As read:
10:42
